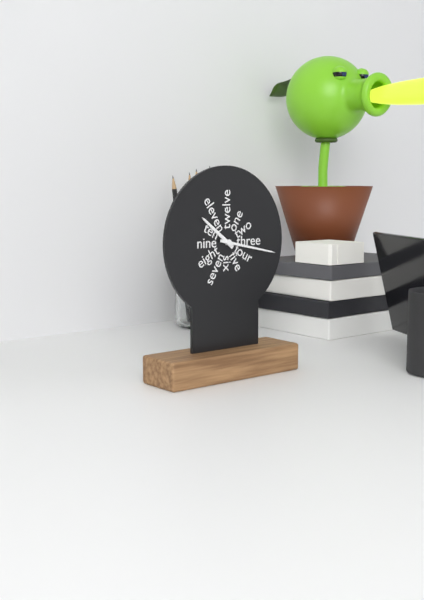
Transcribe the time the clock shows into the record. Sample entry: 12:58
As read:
10:17
